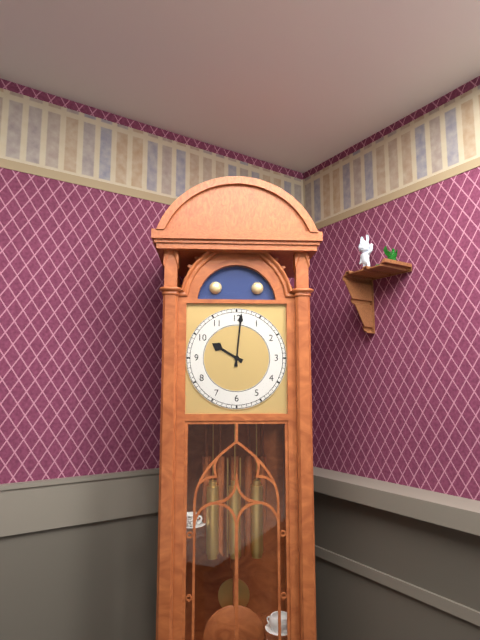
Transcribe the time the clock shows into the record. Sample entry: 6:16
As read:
10:01
